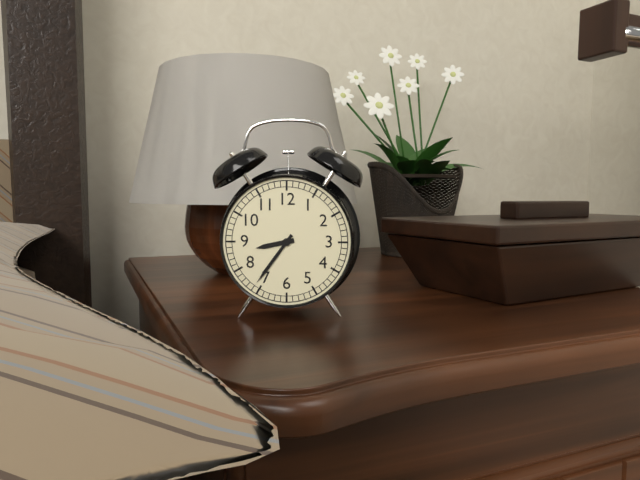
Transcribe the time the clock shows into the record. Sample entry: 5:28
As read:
8:36
